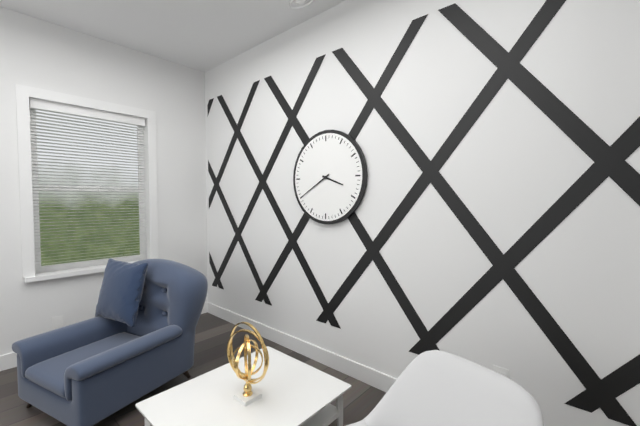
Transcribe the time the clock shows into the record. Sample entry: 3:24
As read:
3:40
